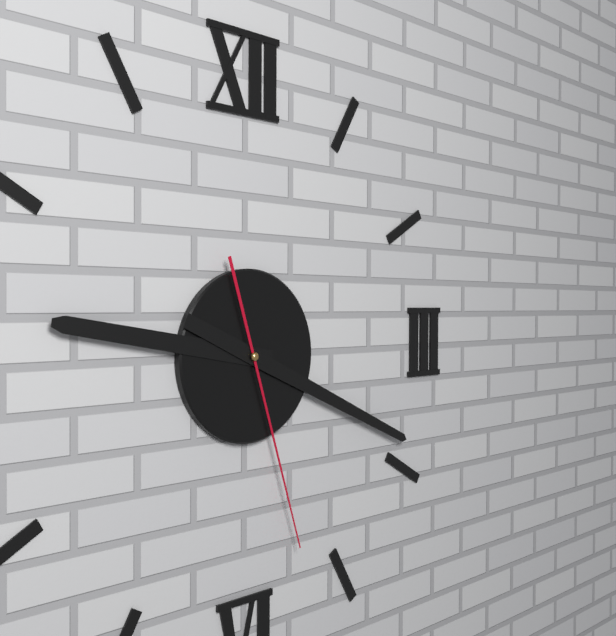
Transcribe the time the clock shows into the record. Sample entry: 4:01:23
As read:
9:19:27
